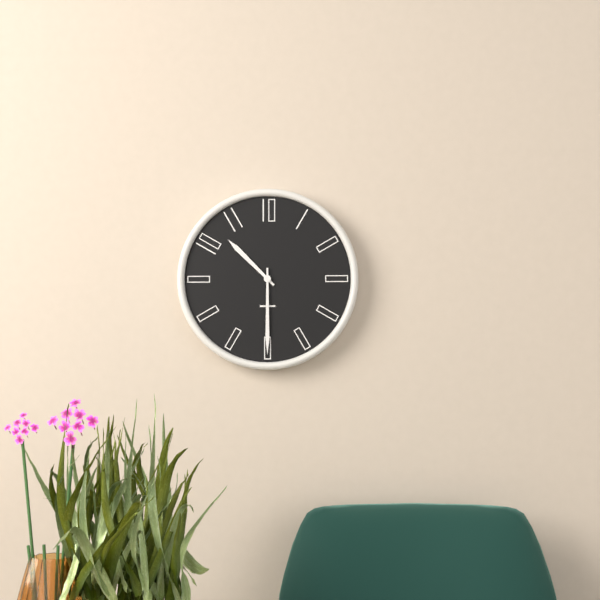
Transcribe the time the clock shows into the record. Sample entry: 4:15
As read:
10:30
